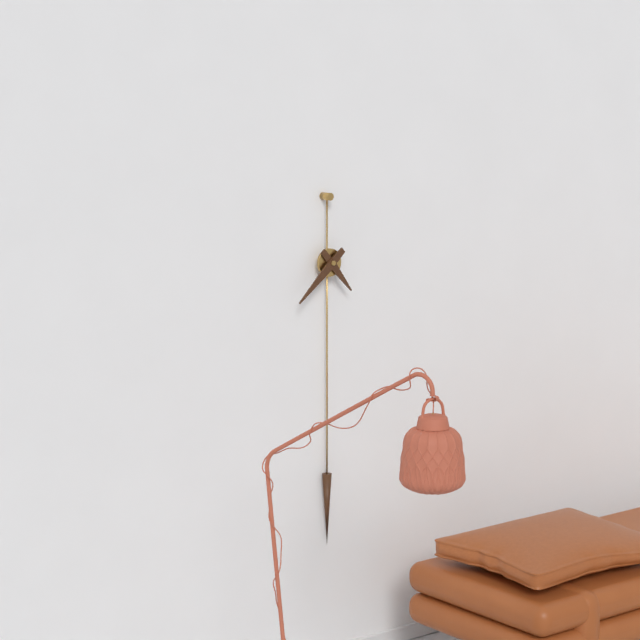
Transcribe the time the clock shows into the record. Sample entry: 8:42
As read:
4:38
